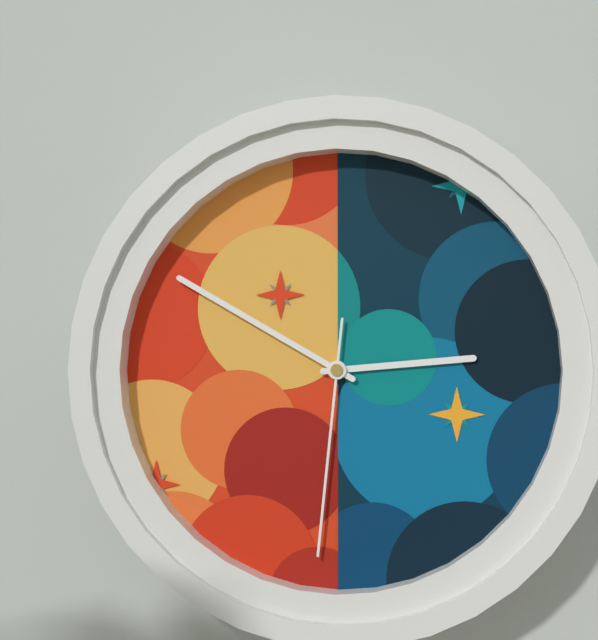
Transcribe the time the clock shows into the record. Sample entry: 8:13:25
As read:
2:50:31
